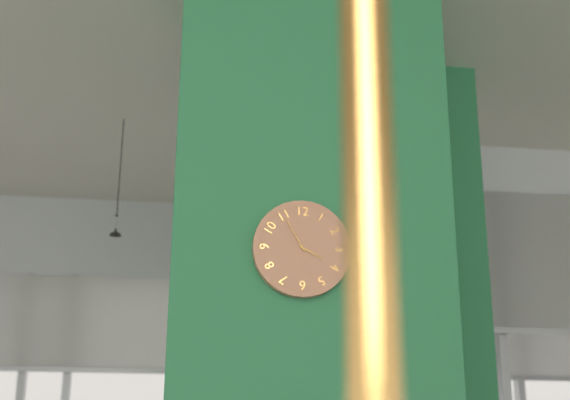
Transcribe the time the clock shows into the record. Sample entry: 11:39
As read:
3:55
